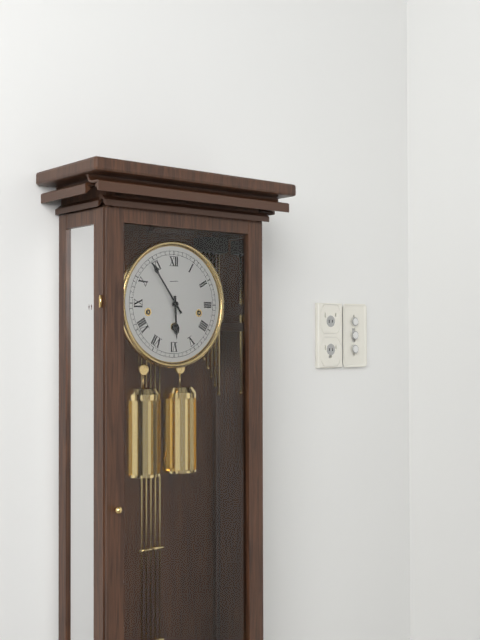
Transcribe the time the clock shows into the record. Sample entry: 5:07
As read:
5:54
